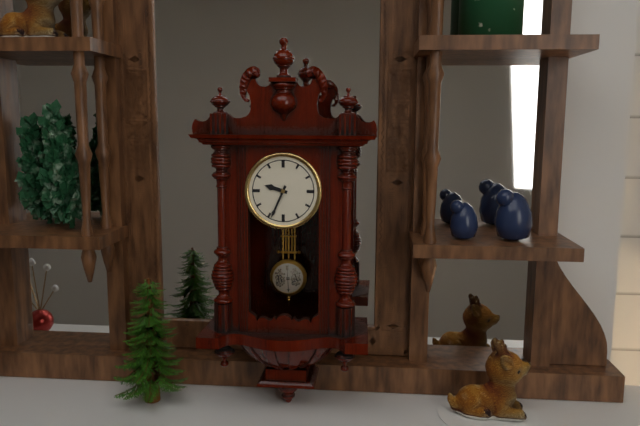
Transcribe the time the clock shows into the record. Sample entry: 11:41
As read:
9:34
